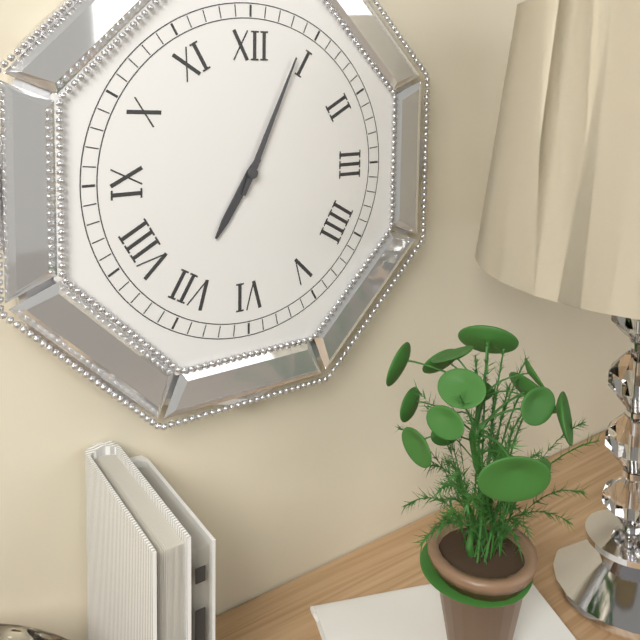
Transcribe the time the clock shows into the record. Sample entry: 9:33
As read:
7:04
